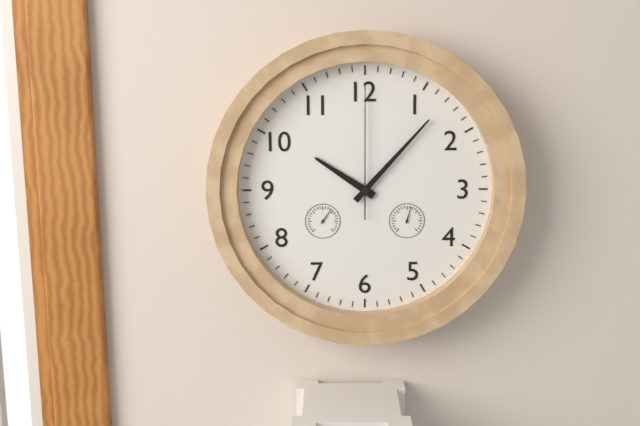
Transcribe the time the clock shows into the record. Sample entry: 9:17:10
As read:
10:07:00
